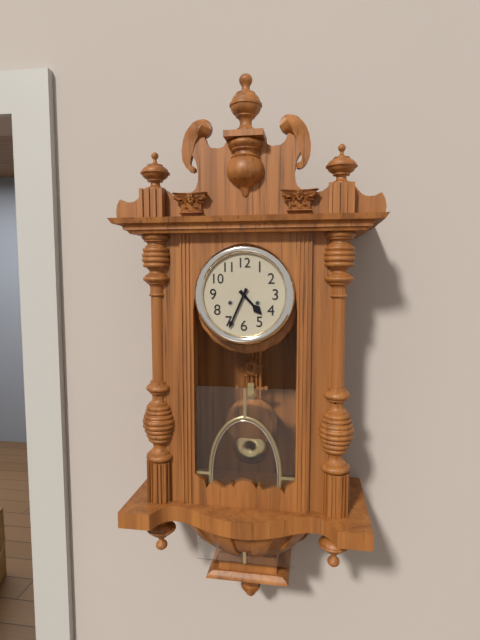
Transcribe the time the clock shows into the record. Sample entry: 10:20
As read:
4:34
